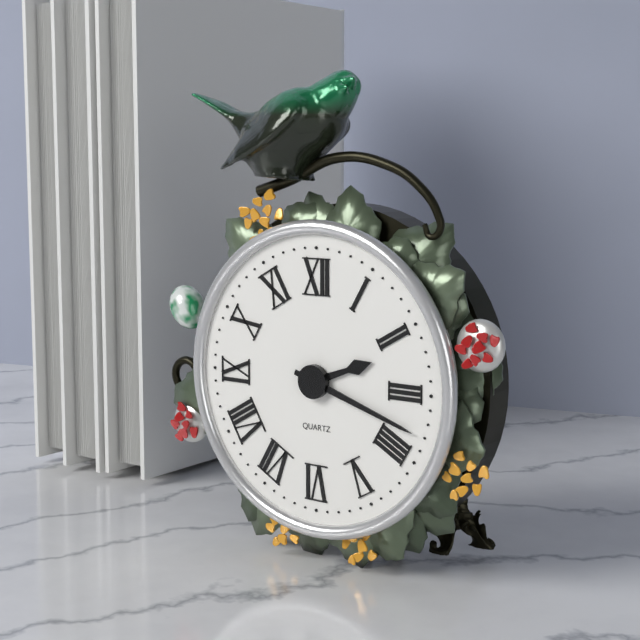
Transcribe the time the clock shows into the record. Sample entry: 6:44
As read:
2:18
